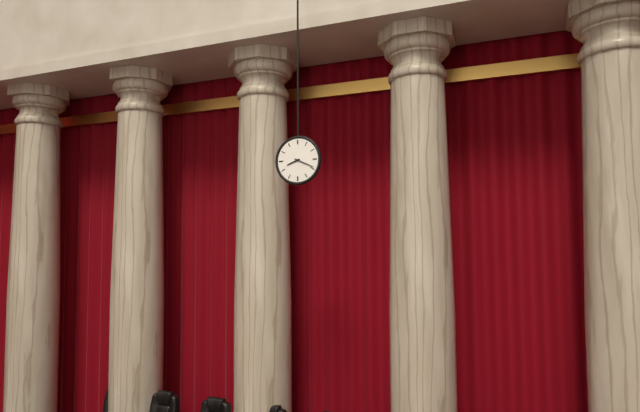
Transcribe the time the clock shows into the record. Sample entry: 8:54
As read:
8:19
